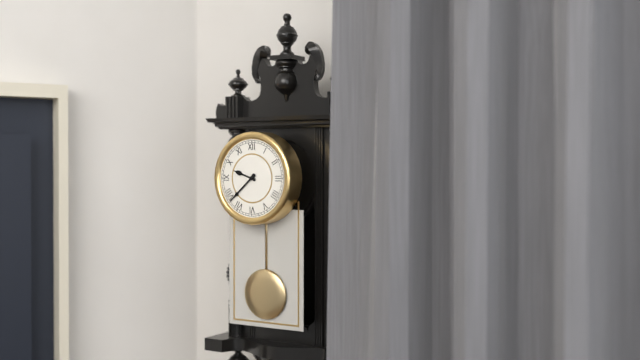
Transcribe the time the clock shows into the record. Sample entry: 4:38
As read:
9:38
